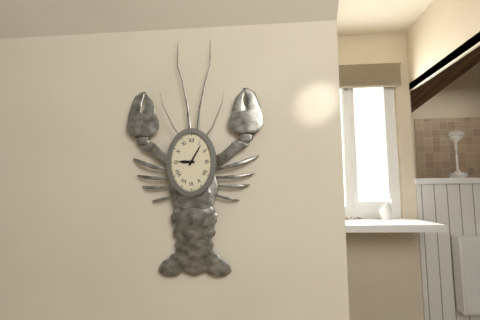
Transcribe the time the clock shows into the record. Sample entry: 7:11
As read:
9:05
